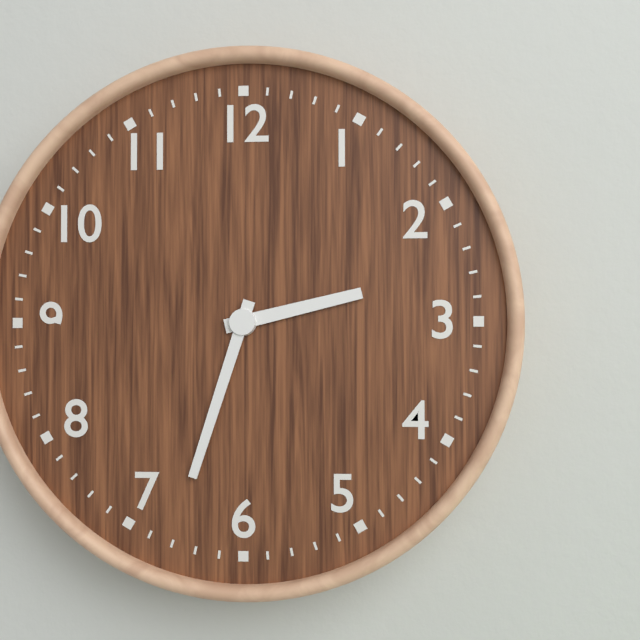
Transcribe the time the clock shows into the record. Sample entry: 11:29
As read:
2:33
